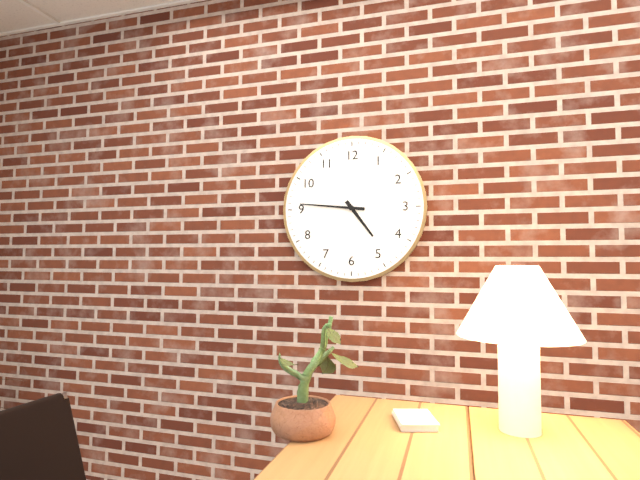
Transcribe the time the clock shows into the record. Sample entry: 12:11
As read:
4:46
